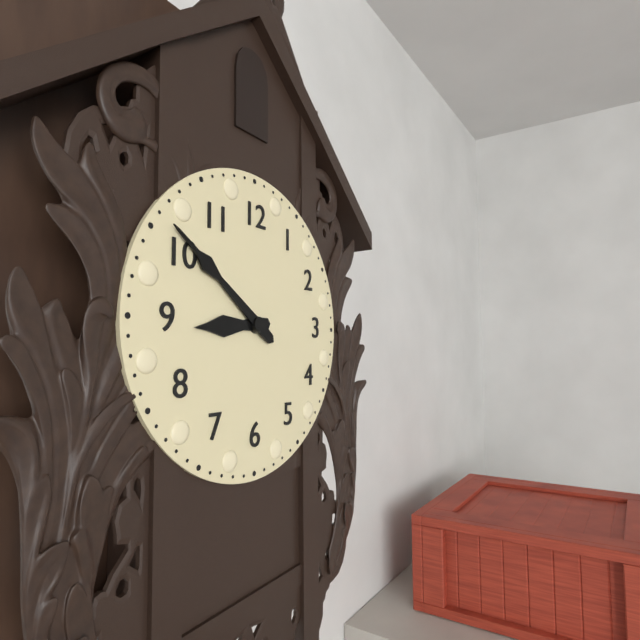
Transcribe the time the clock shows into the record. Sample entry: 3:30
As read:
8:51
